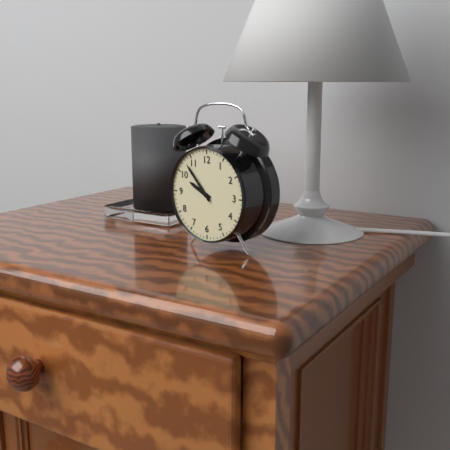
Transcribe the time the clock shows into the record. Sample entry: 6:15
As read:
9:53
